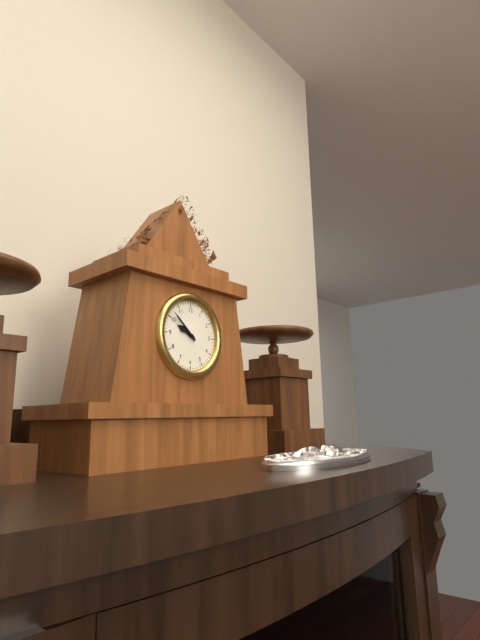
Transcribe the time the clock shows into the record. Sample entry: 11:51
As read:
9:52
